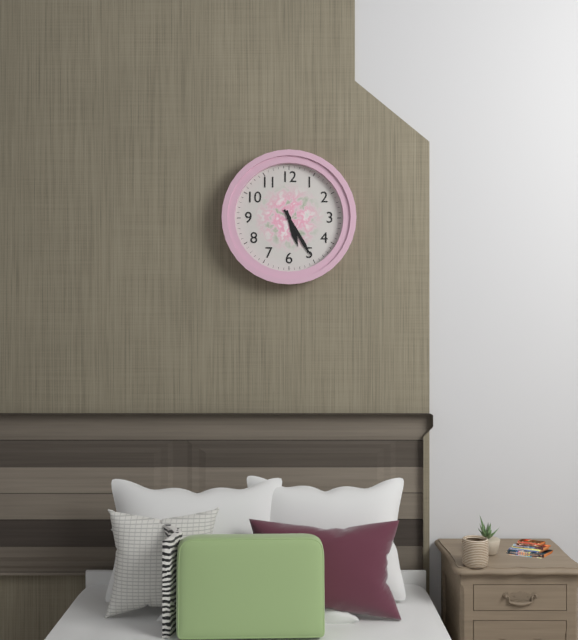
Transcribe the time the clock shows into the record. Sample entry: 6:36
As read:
5:25
